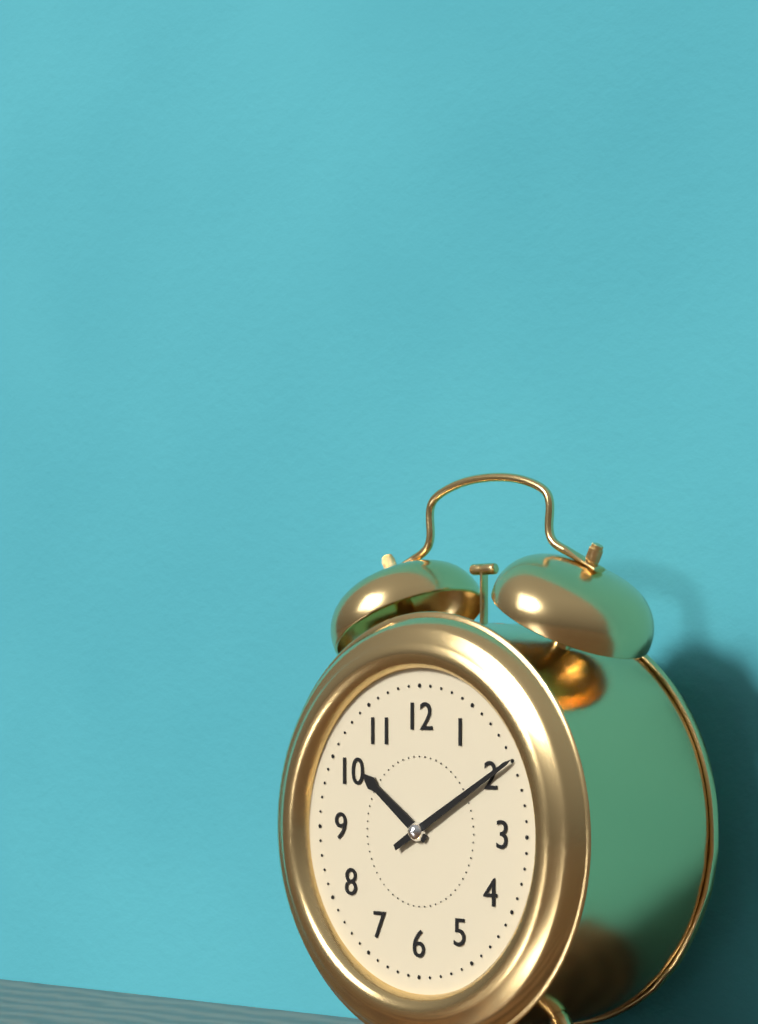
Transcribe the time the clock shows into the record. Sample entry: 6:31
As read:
10:10
